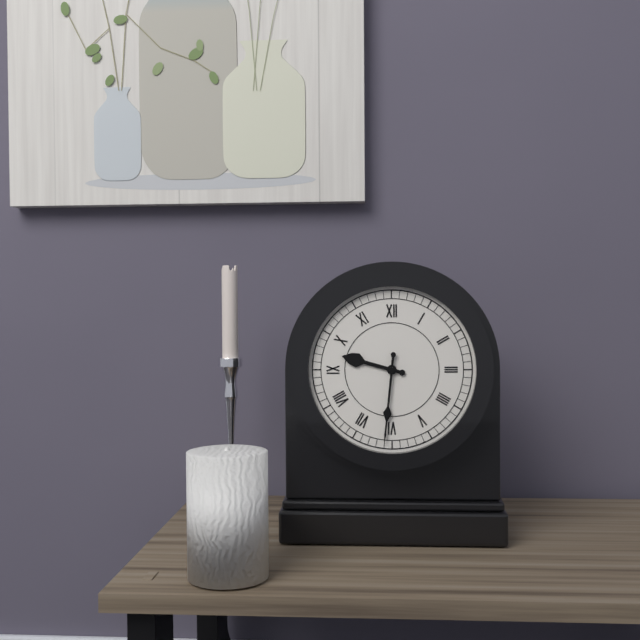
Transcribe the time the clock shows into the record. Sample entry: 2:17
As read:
9:31
